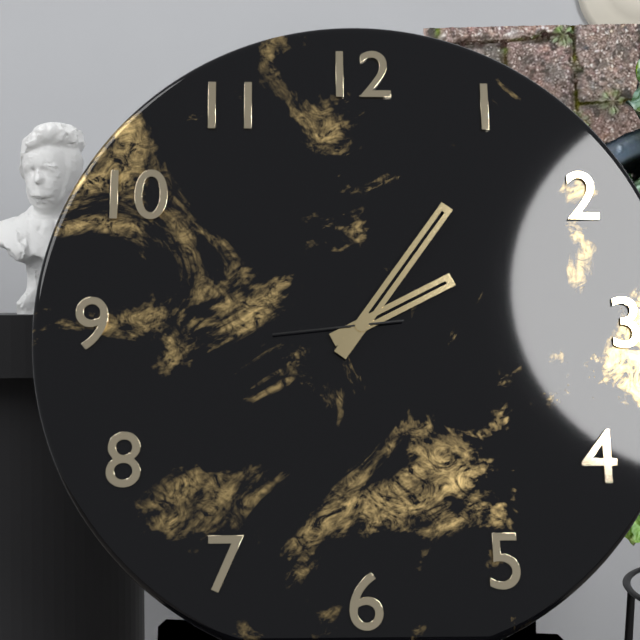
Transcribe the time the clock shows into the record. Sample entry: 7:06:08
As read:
2:06:44
